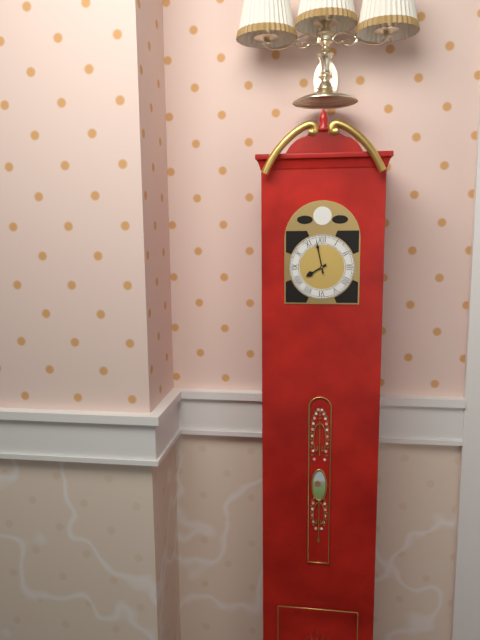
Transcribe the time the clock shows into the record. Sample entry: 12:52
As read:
7:58
